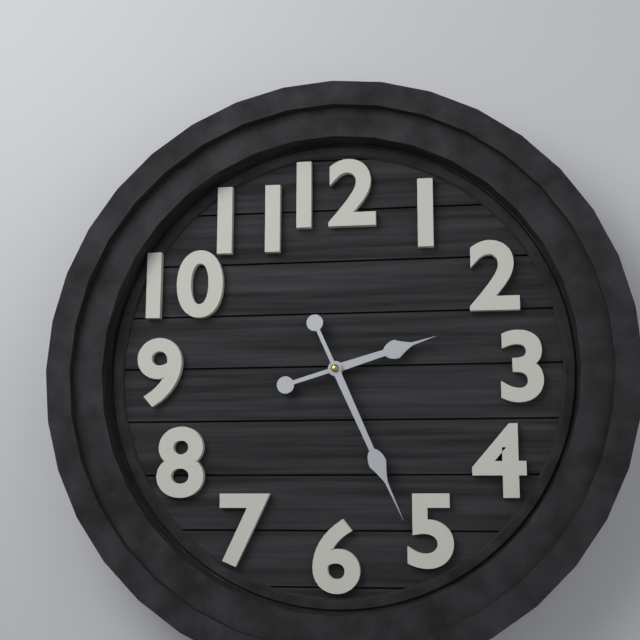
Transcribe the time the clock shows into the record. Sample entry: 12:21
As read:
2:26
